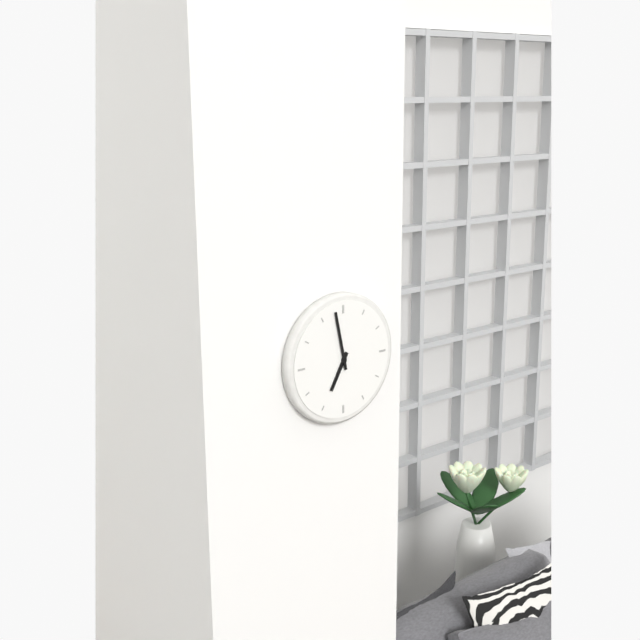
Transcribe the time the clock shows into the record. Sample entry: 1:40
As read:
6:58
